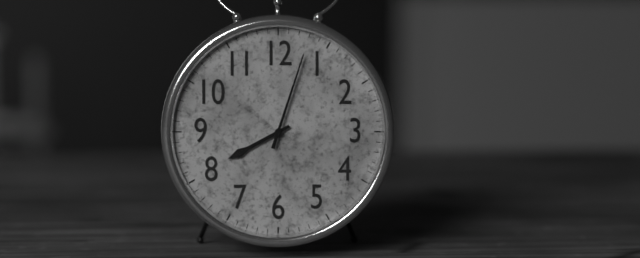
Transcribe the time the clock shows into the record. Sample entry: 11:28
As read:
8:03
